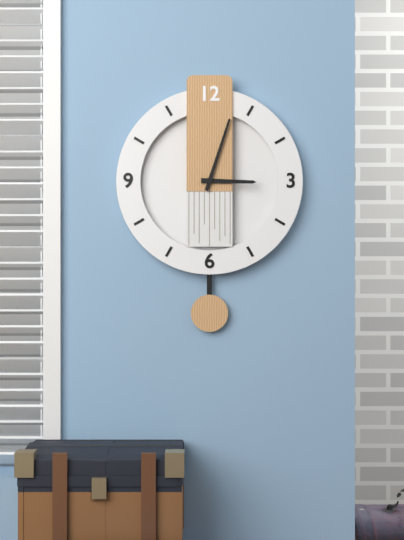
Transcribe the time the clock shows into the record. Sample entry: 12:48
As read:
3:03
